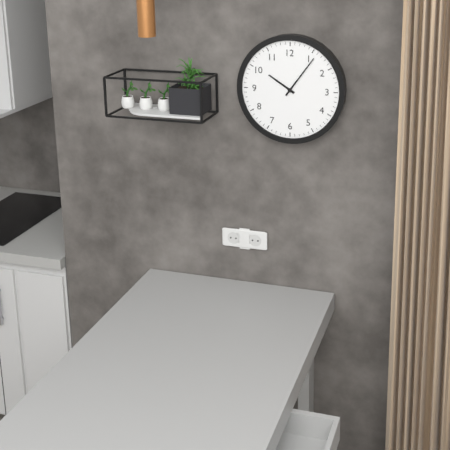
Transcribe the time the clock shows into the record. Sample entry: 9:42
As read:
10:06
